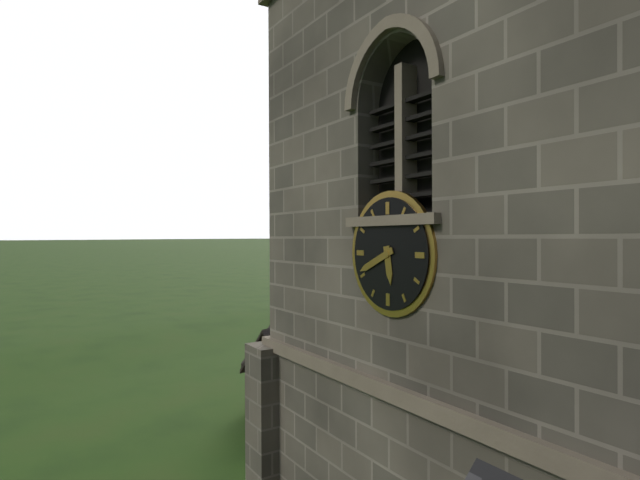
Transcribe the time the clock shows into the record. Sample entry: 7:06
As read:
5:41
